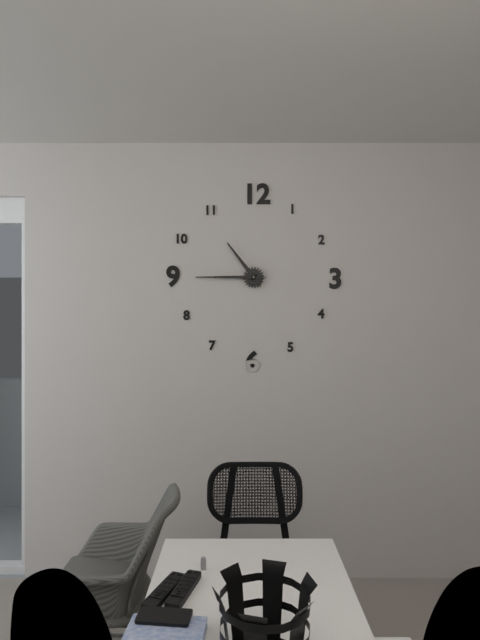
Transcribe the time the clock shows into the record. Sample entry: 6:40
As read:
10:45
